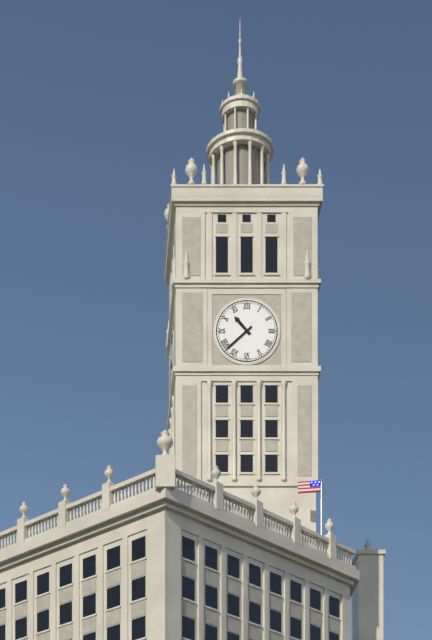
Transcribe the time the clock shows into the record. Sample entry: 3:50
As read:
10:38
